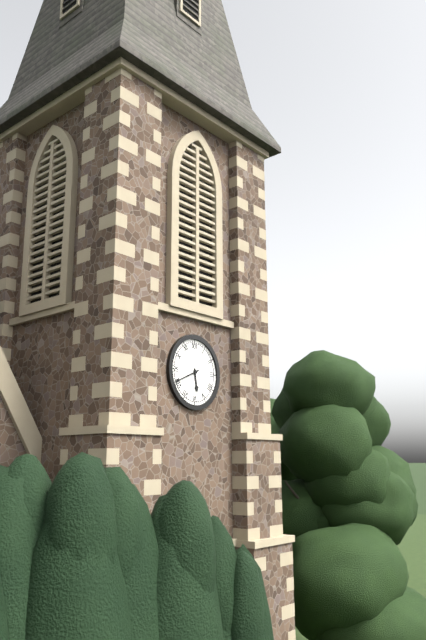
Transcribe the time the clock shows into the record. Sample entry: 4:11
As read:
5:41
